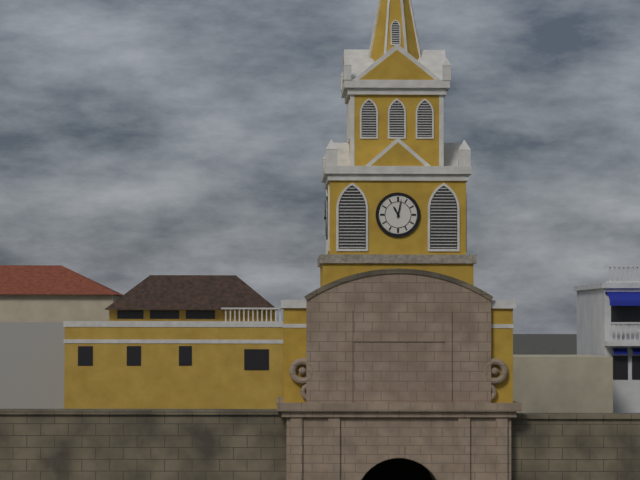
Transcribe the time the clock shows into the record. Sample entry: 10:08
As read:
11:02
